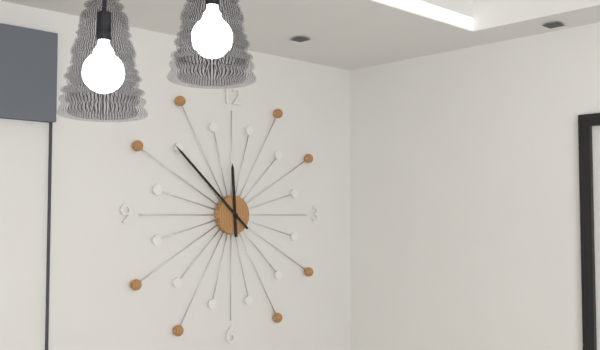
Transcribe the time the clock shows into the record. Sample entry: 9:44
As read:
11:52
